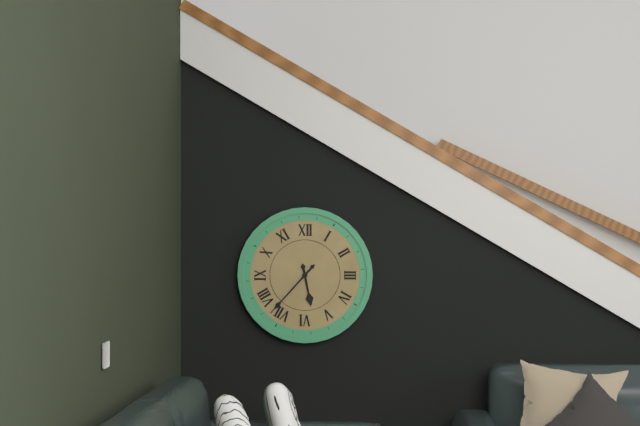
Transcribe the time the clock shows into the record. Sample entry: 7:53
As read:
5:37
